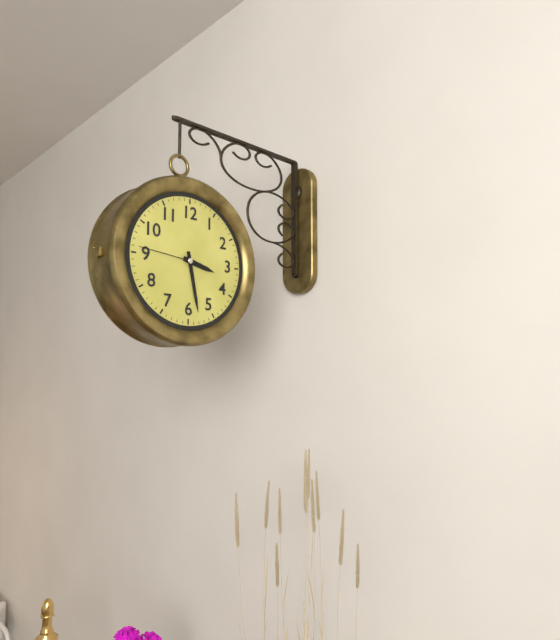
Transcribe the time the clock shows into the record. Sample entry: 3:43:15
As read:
3:28:46
